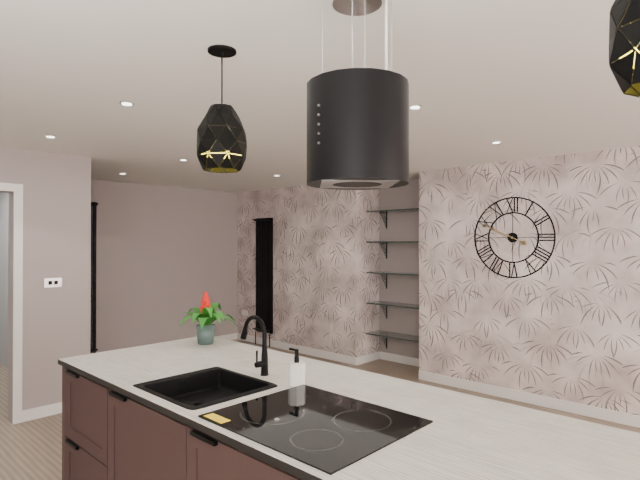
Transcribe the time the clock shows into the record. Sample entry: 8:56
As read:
9:49
